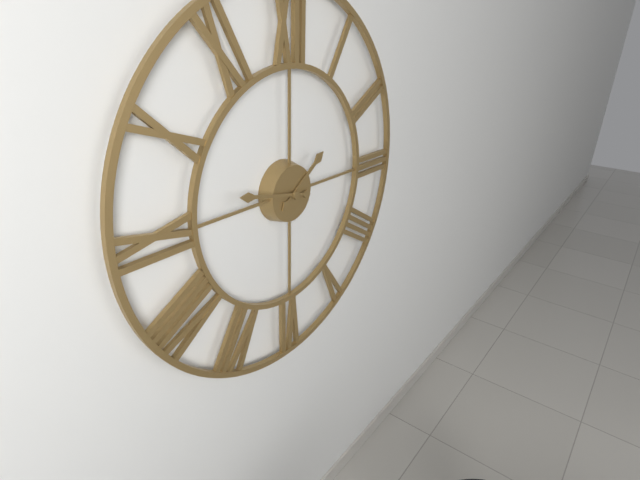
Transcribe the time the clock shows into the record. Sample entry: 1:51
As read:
1:47
